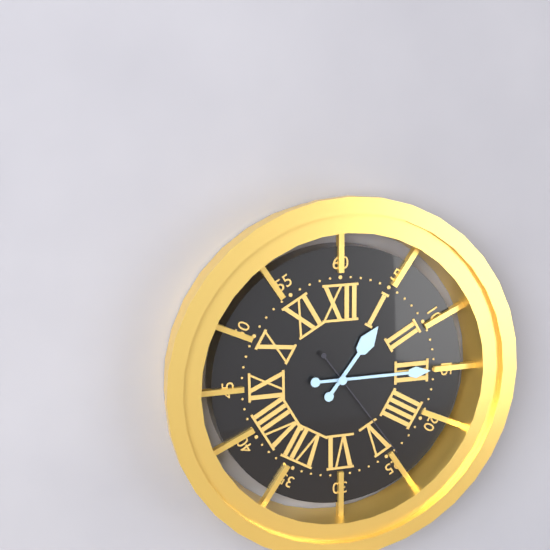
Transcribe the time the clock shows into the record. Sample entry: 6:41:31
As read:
1:15:24
